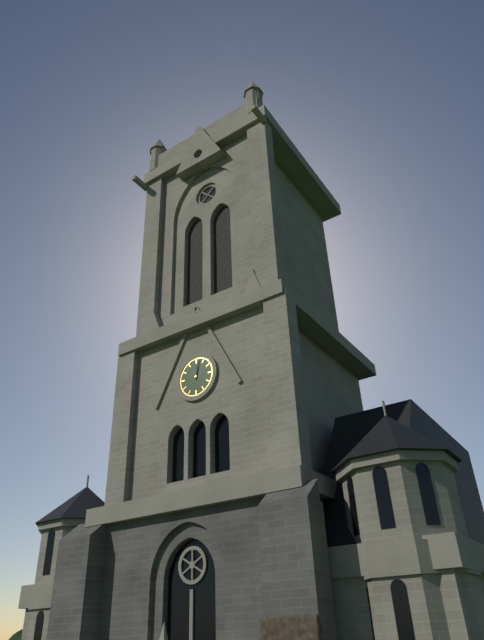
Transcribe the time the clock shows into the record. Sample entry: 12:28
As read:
12:02
